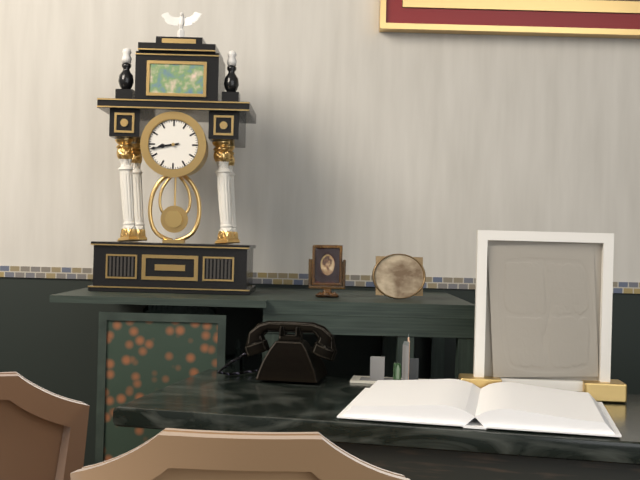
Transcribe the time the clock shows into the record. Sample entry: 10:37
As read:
8:43
